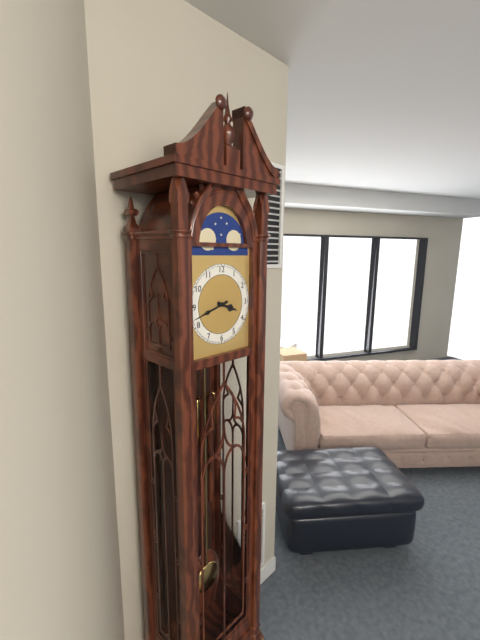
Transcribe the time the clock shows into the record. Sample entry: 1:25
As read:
3:42
